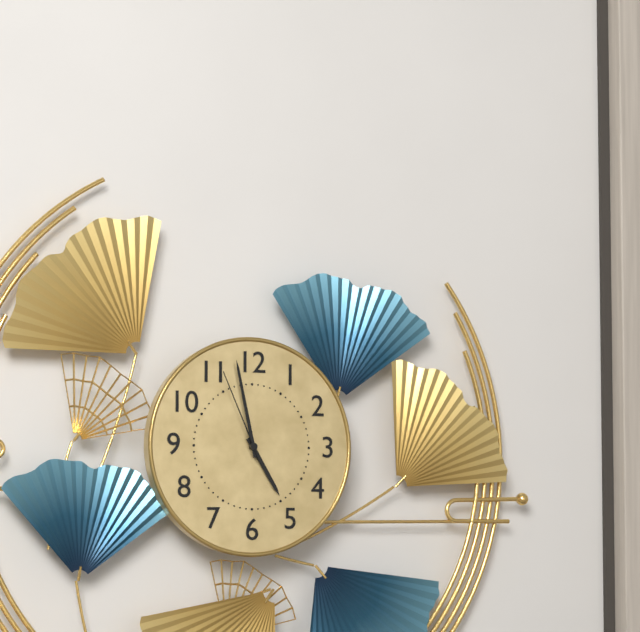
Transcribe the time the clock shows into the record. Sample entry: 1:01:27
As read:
4:58:56
